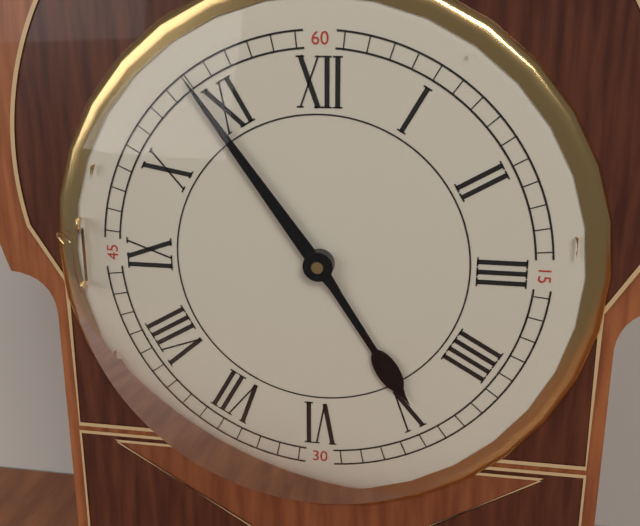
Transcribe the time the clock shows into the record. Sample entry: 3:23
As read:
4:54
